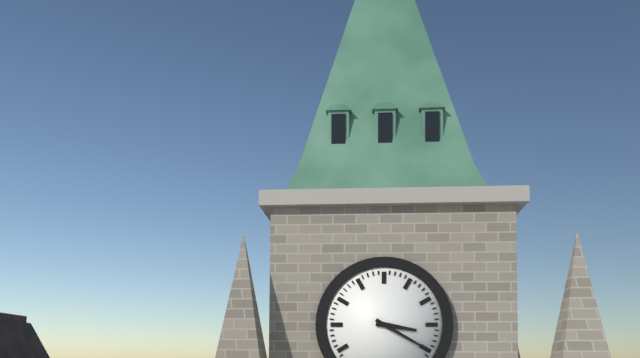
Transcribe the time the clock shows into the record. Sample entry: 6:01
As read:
3:20
